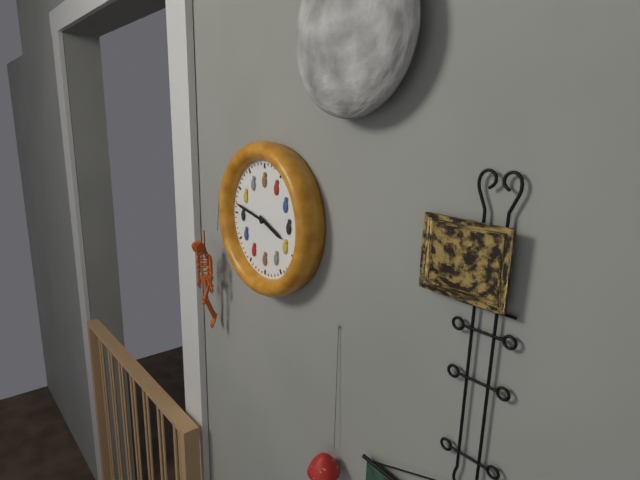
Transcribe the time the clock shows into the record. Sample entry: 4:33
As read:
3:47
